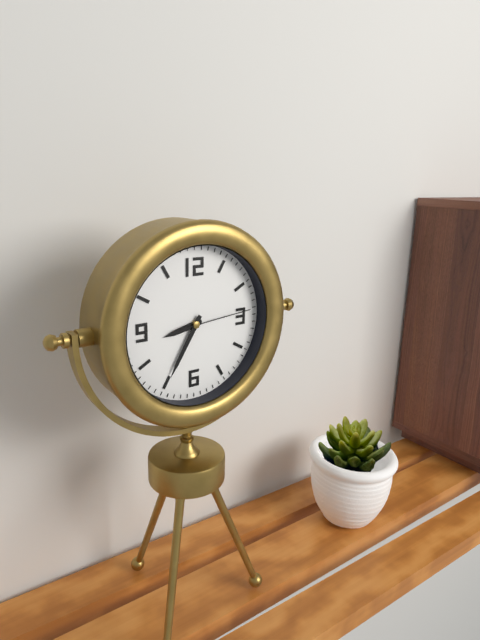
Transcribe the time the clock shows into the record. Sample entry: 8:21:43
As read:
8:35:14
